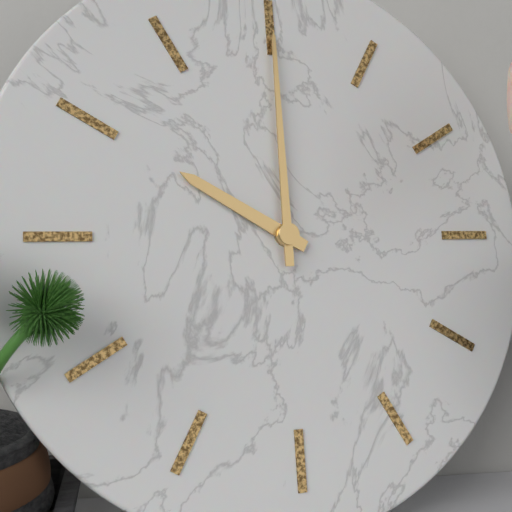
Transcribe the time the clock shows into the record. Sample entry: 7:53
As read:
10:00
